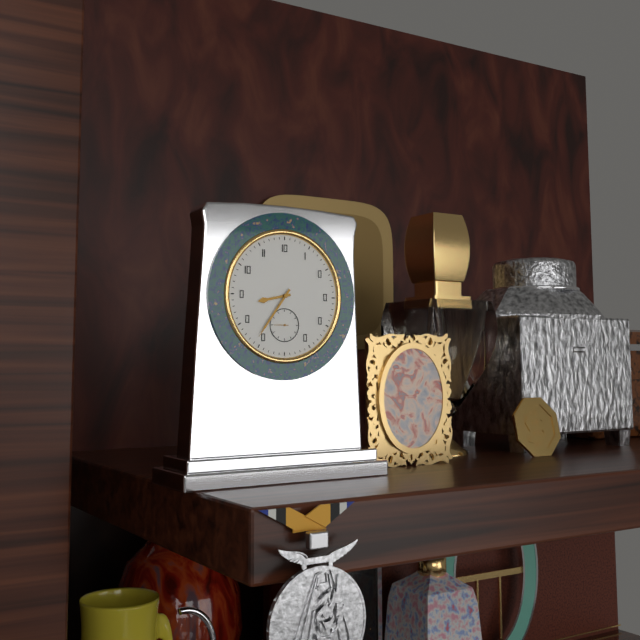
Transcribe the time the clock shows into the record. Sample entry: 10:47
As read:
8:36
